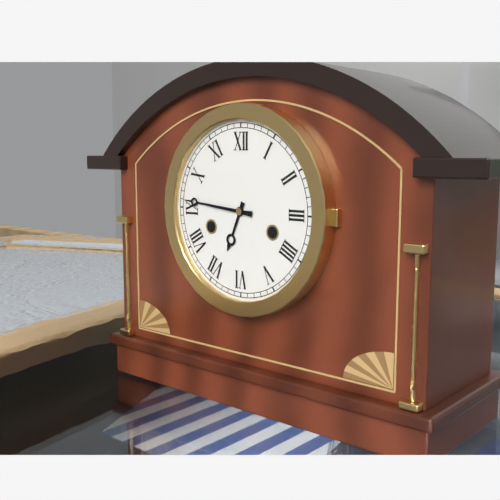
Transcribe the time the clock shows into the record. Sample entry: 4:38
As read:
6:46
